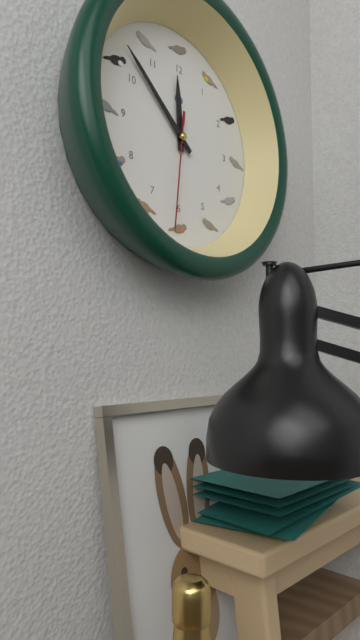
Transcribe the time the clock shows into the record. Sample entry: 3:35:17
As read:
11:52:31
